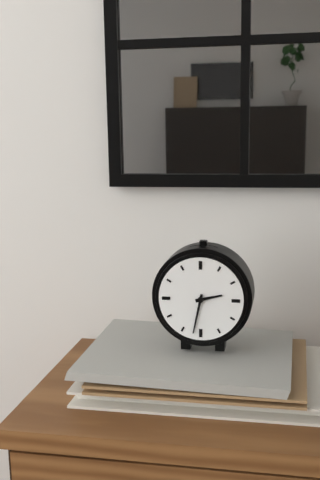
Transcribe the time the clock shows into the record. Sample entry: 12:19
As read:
2:32
